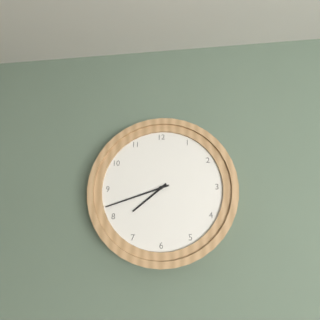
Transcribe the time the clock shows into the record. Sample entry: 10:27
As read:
7:42
